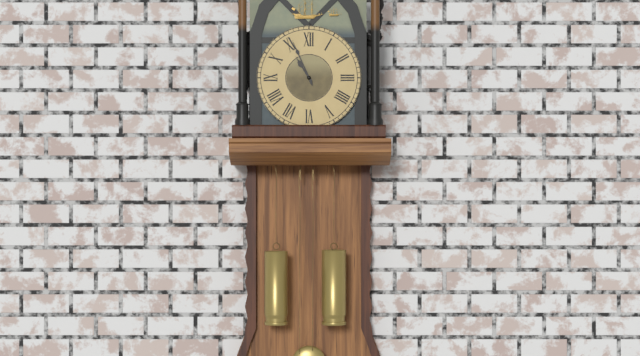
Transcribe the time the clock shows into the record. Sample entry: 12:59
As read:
10:56
